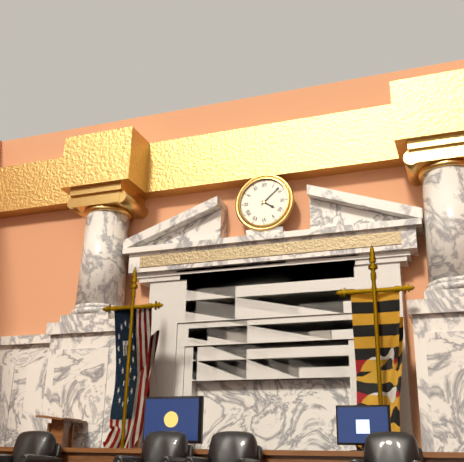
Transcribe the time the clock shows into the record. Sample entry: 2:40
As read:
4:08
